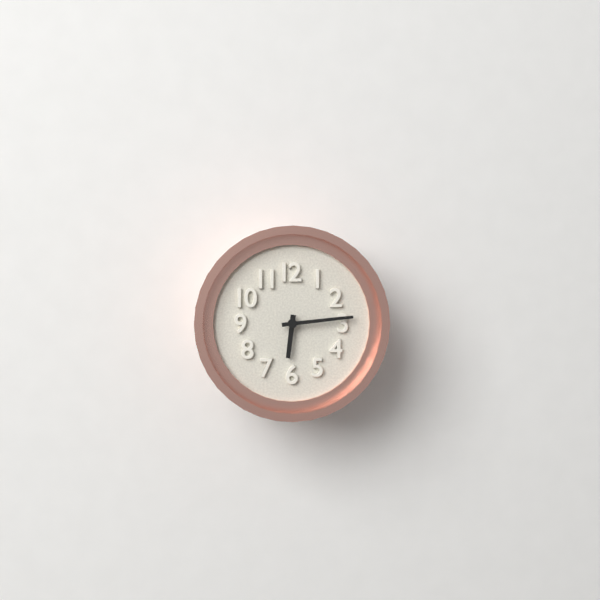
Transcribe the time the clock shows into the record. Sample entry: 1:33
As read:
6:14
